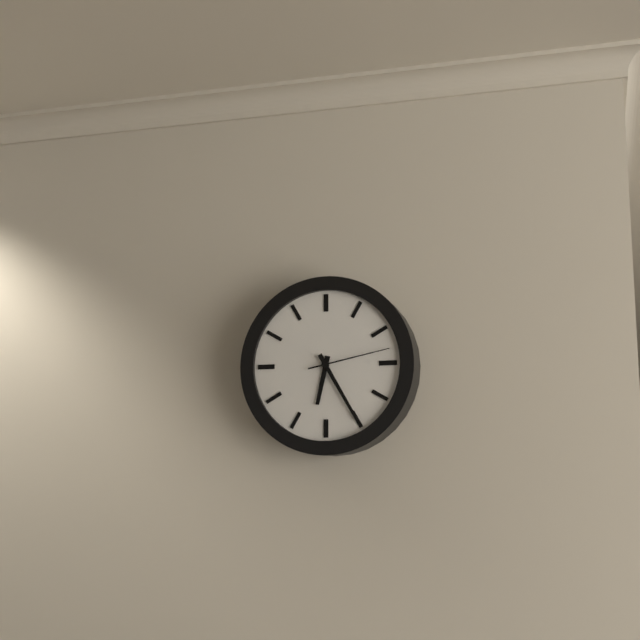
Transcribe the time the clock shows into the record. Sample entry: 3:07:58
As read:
6:25:13
